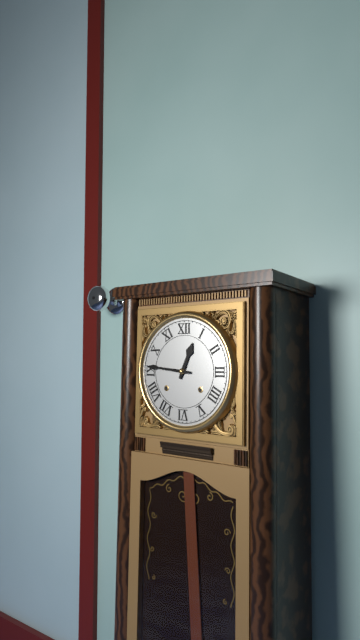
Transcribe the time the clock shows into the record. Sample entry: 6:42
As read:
12:46
